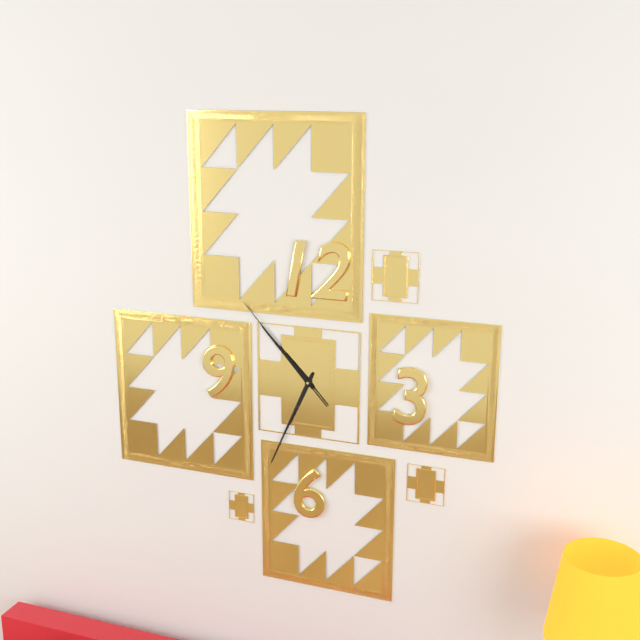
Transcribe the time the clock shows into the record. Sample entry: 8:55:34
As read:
10:34:53
